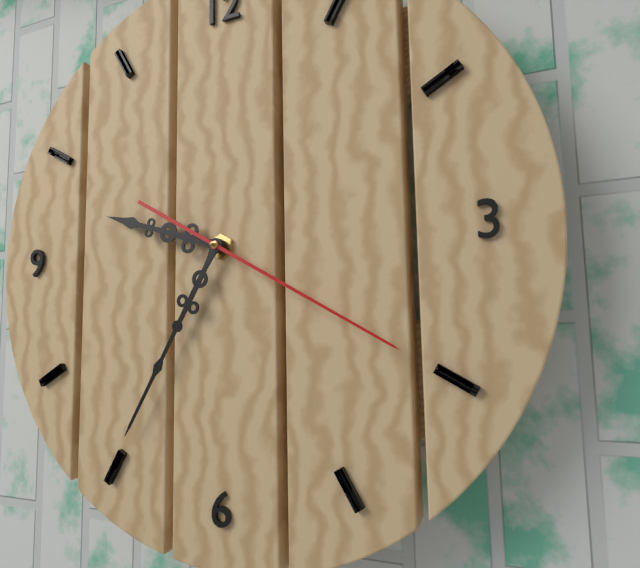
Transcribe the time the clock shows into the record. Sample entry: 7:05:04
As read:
9:35:20
